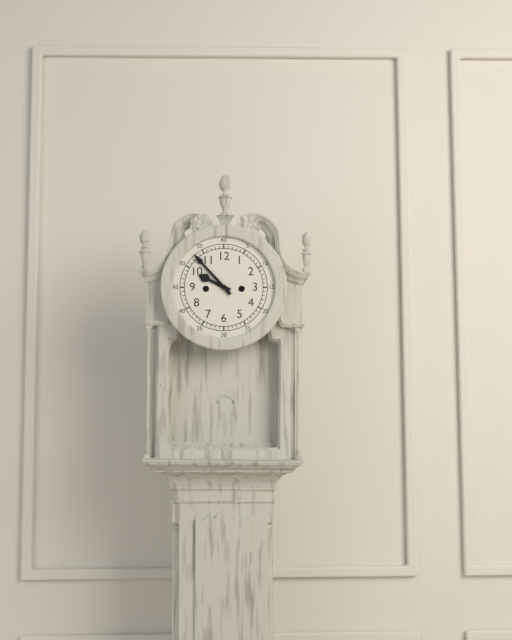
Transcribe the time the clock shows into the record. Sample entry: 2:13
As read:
9:53
